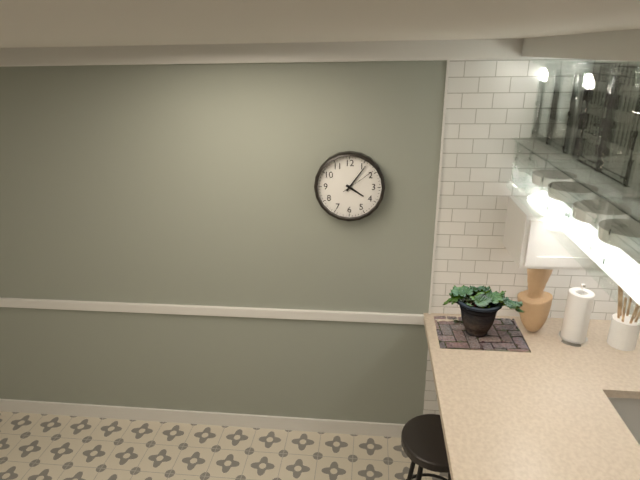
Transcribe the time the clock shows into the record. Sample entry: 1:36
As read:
4:06
